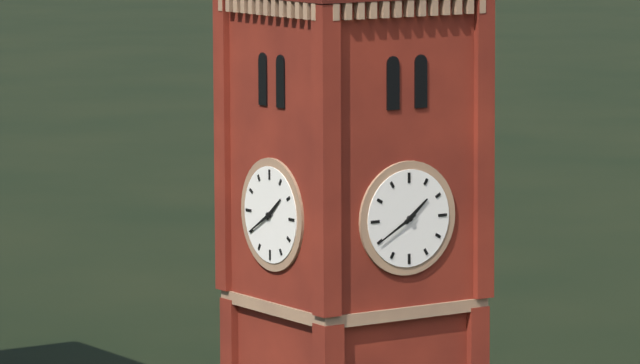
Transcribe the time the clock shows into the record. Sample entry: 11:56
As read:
1:40
